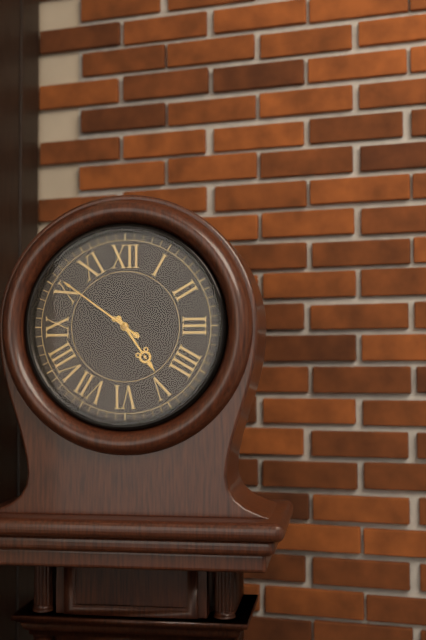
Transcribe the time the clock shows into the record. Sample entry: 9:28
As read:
4:51
